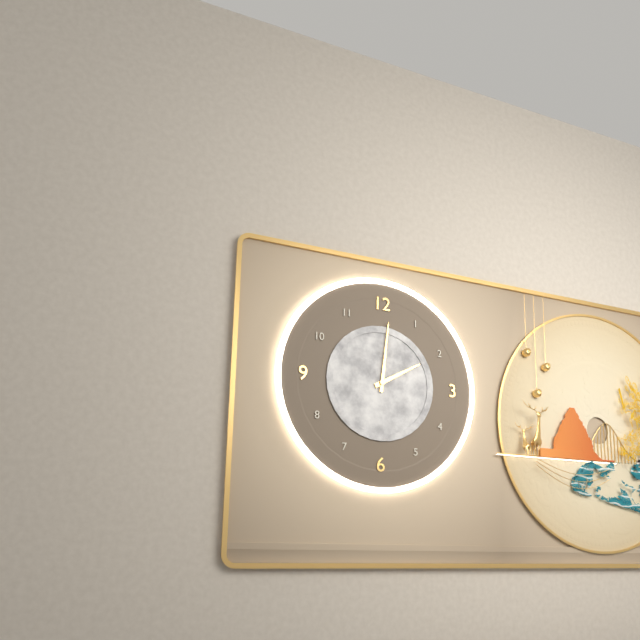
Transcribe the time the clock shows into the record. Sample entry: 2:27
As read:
2:01
